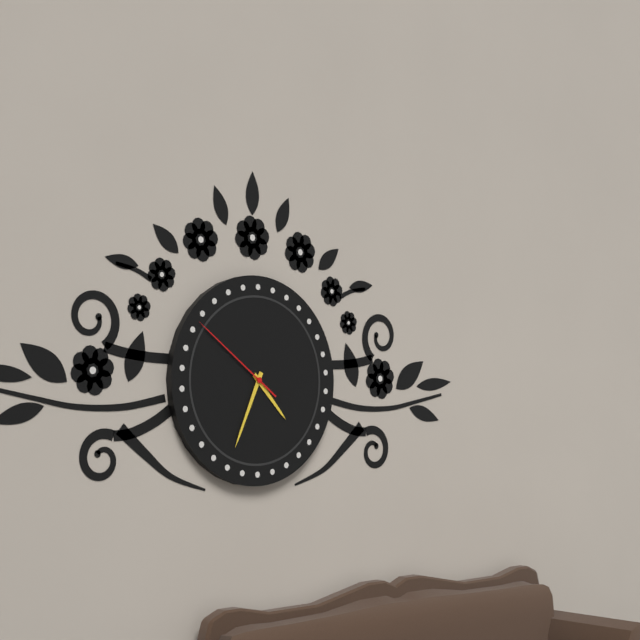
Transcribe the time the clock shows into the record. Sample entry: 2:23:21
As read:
4:34:51
